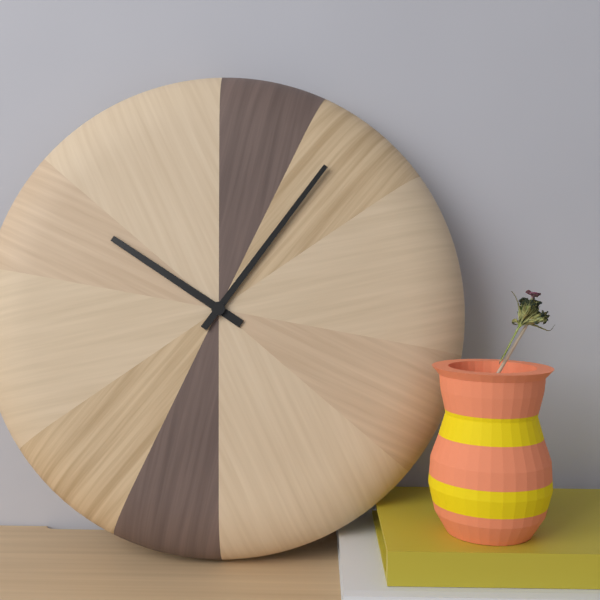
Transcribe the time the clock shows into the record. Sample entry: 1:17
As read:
10:06
